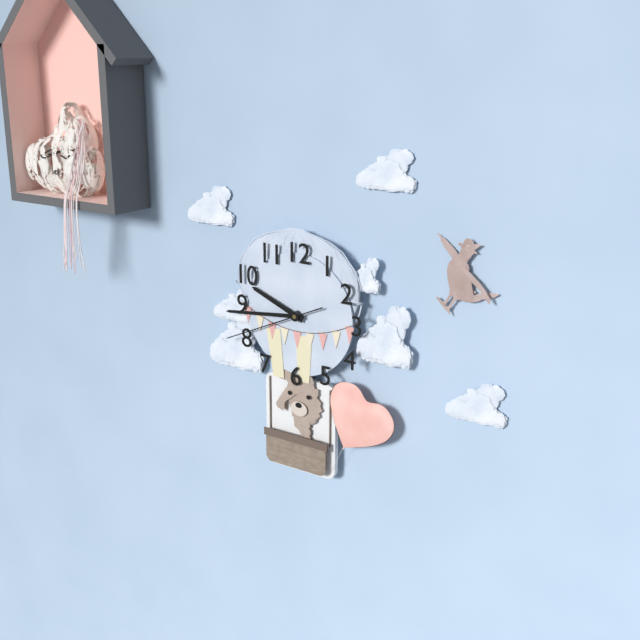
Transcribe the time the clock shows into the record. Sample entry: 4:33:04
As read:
9:44:41
